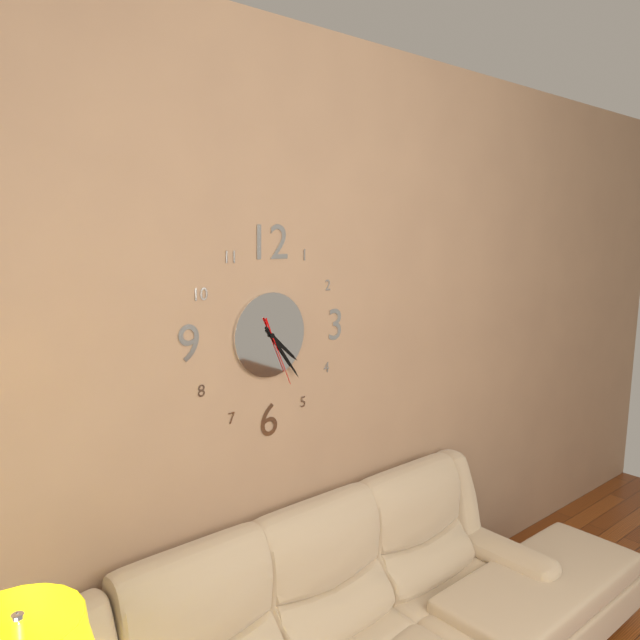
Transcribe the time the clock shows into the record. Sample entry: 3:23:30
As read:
4:24:26
